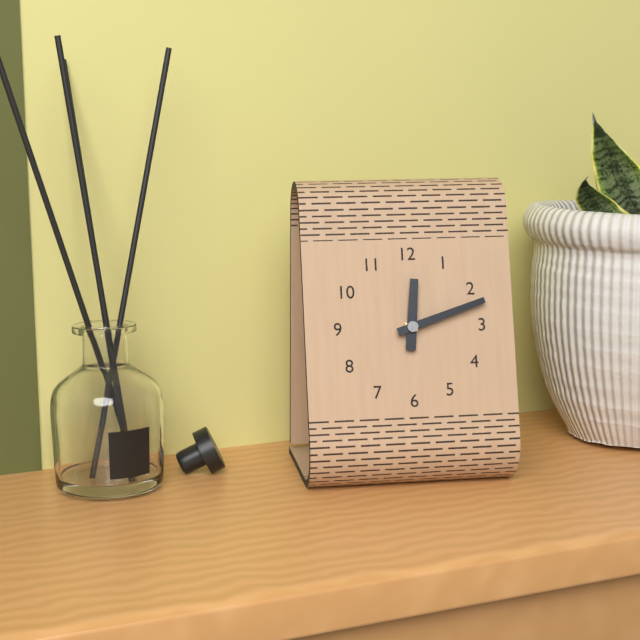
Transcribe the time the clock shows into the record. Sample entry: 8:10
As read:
12:12
